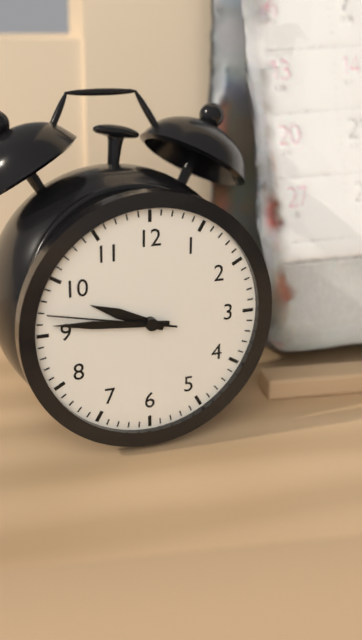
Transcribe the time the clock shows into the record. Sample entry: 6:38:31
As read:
9:46:47
